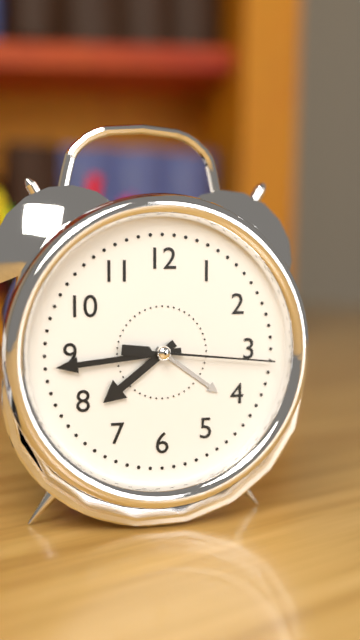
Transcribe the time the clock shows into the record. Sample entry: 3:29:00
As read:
7:44:16
